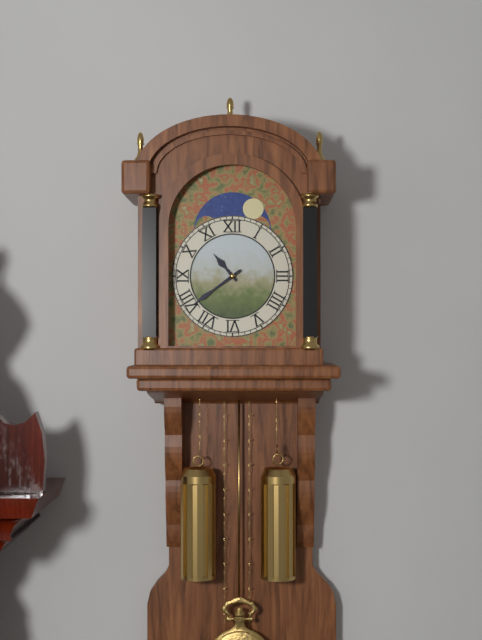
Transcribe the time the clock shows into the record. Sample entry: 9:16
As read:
10:39
